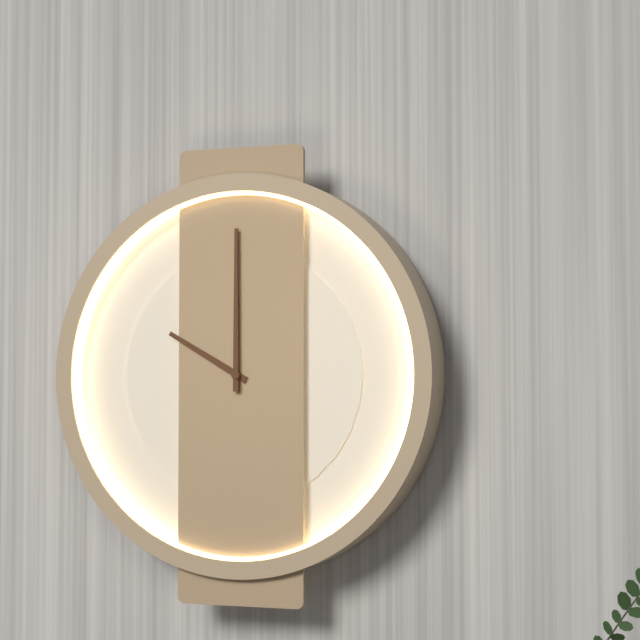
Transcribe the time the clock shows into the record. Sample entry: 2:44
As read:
10:00
